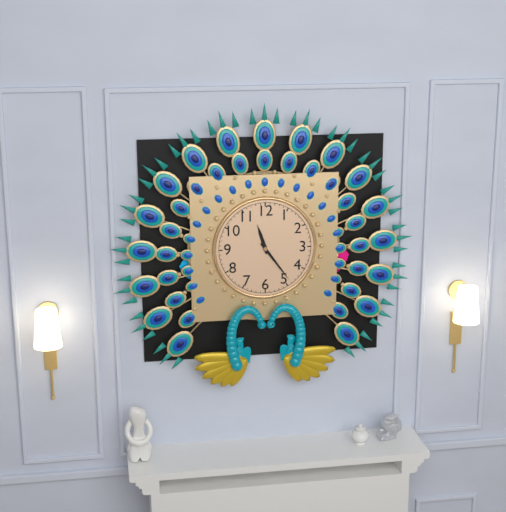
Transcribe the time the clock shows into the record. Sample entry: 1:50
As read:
11:24
